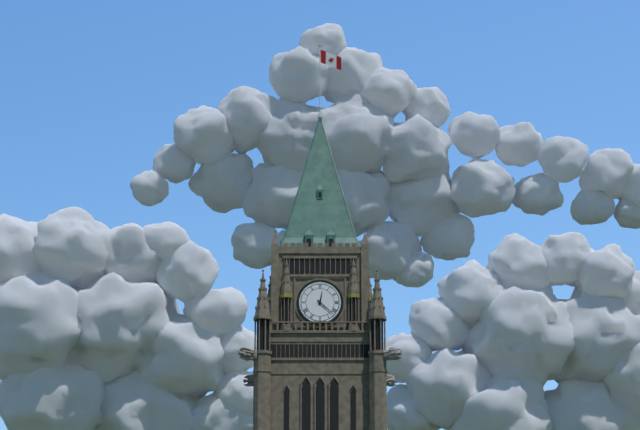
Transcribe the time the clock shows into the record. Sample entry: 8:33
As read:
12:22
